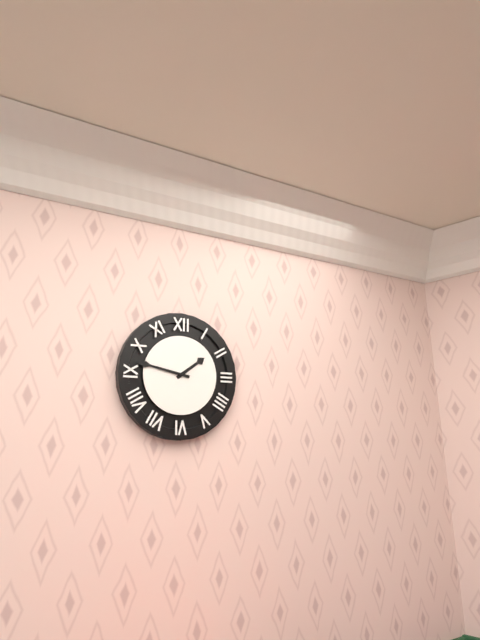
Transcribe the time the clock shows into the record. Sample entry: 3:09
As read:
1:47
